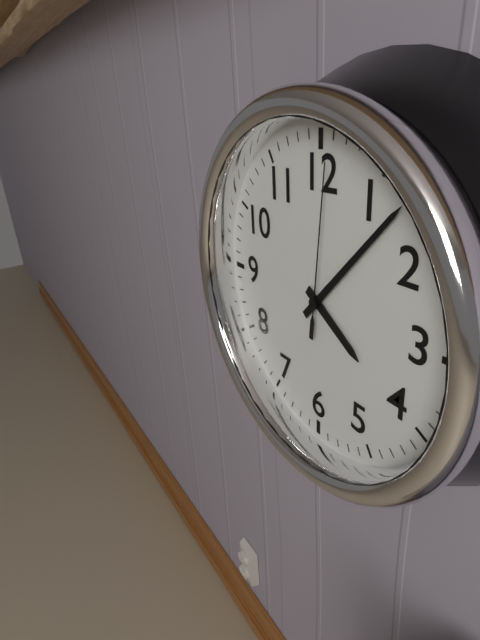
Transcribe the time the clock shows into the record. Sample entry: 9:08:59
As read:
4:07:01
